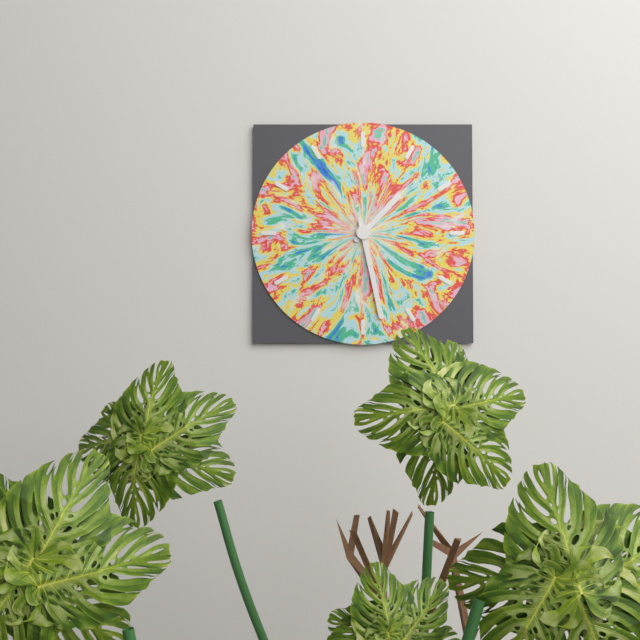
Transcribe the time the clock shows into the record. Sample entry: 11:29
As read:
1:28
